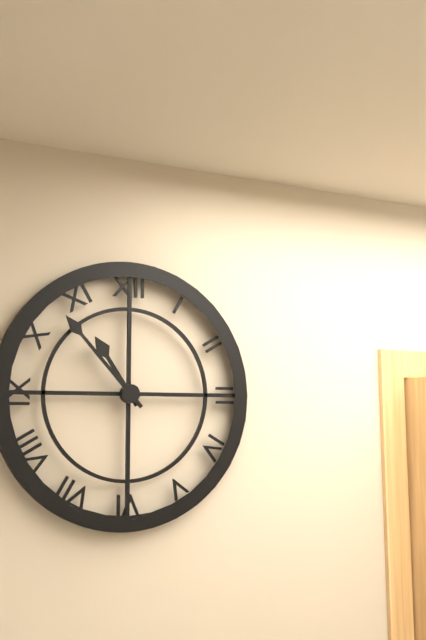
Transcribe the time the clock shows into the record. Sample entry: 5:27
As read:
10:53
